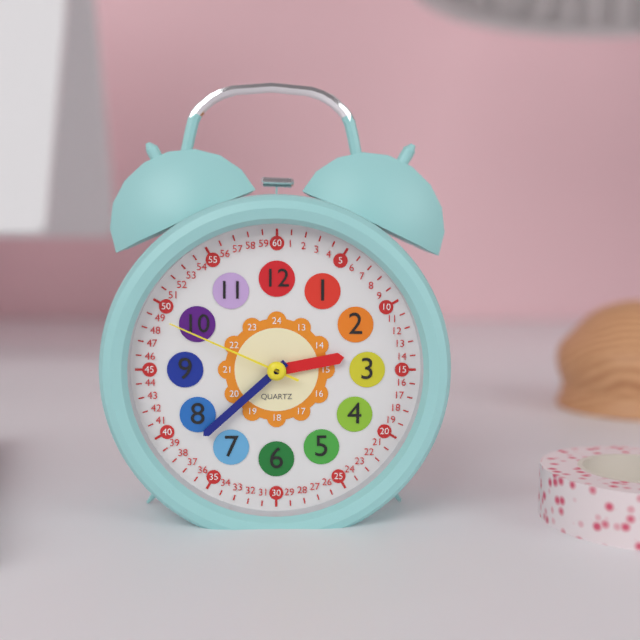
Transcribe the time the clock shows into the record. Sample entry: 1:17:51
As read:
2:38:49
